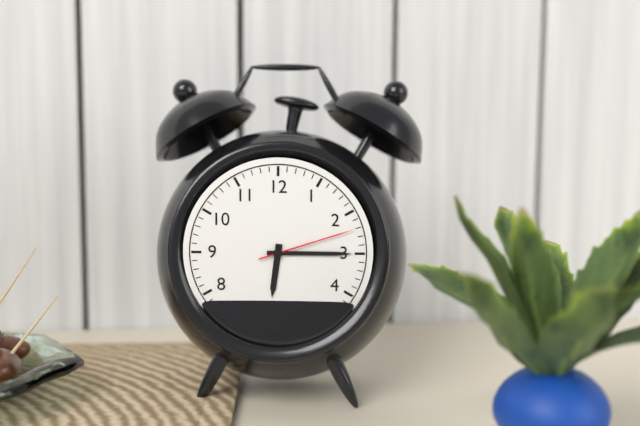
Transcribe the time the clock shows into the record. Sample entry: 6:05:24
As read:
6:15:12
